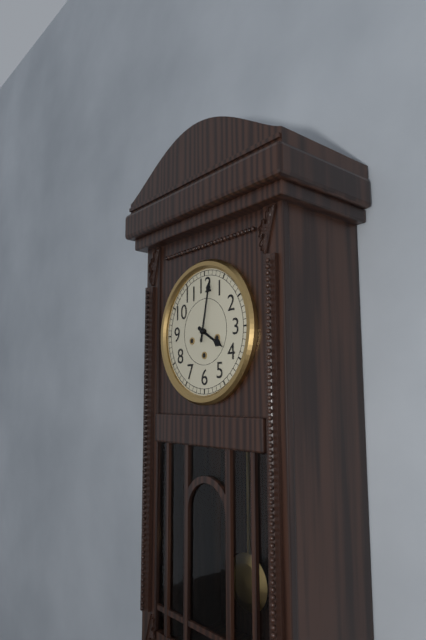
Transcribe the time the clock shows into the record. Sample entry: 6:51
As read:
4:02
